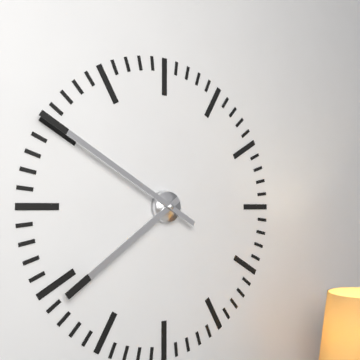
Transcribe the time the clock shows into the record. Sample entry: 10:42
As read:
7:50
